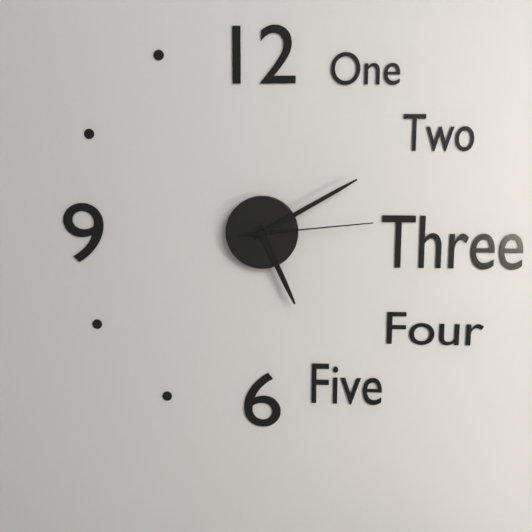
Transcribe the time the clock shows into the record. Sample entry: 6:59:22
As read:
5:10:14
